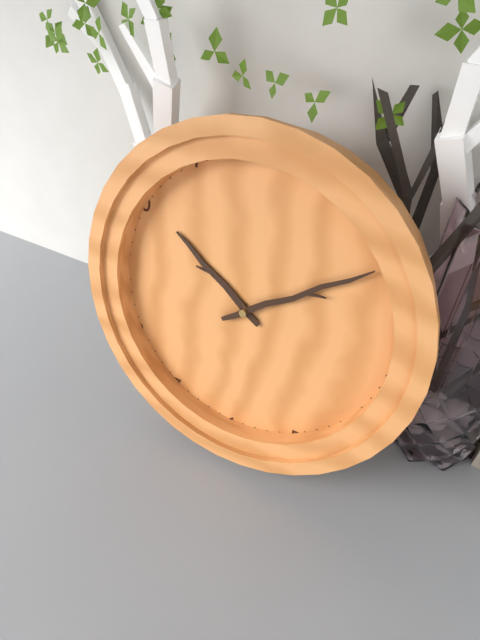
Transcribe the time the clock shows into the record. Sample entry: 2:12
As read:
10:09
